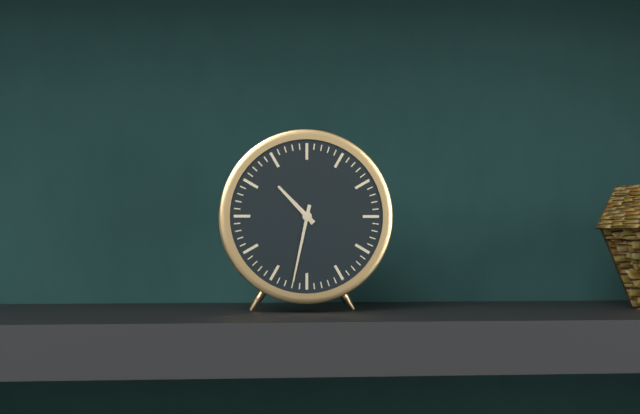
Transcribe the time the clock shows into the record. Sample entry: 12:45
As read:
10:32
